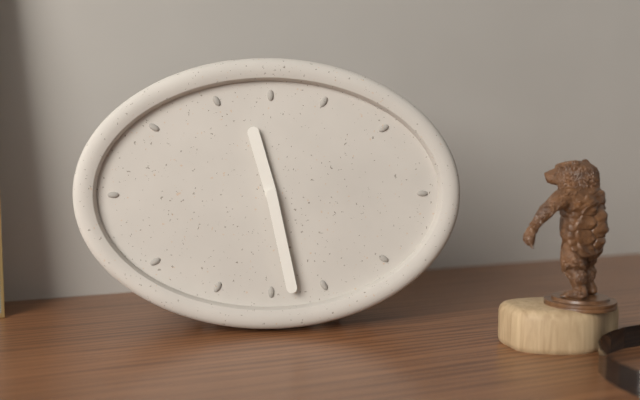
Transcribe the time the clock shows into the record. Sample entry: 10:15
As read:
11:28
